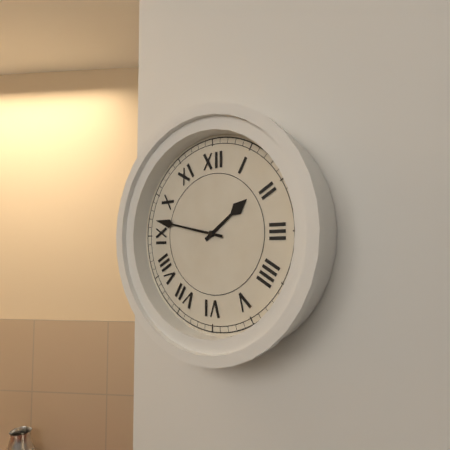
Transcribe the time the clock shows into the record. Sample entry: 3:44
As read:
1:47
